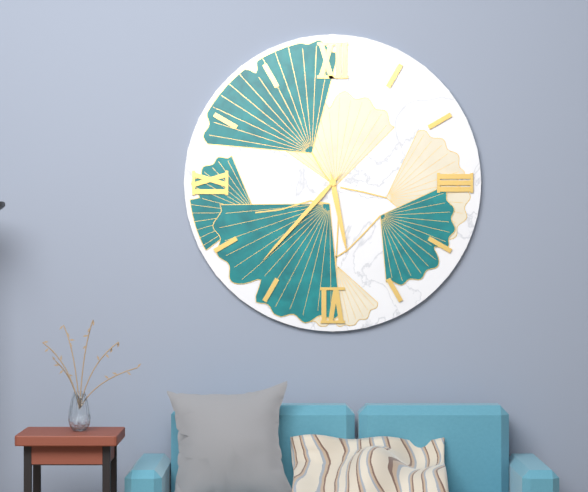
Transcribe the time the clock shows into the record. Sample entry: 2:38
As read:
5:37
